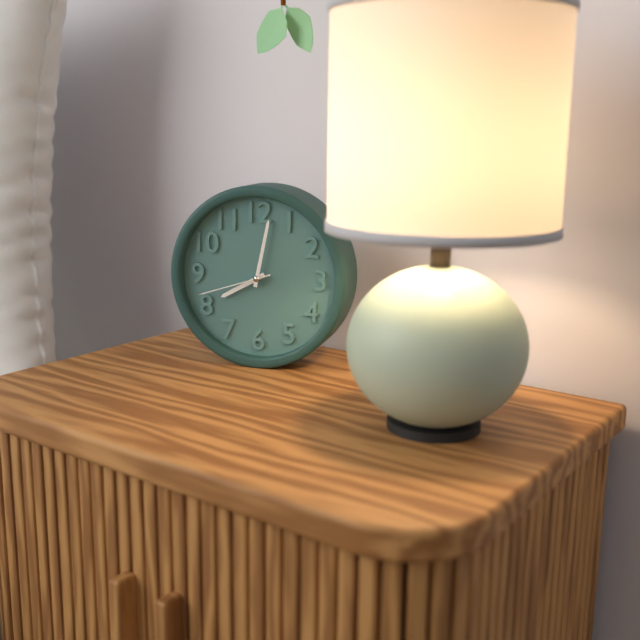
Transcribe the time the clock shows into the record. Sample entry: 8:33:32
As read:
8:02:42
